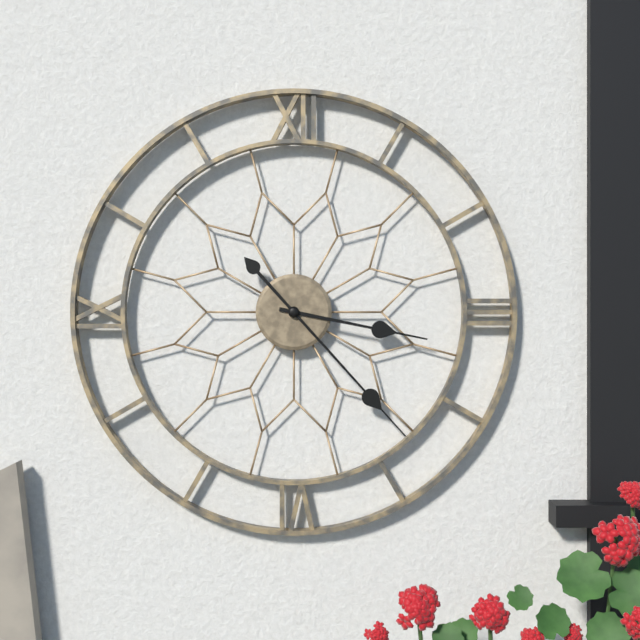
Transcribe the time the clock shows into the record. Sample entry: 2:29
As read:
3:23
